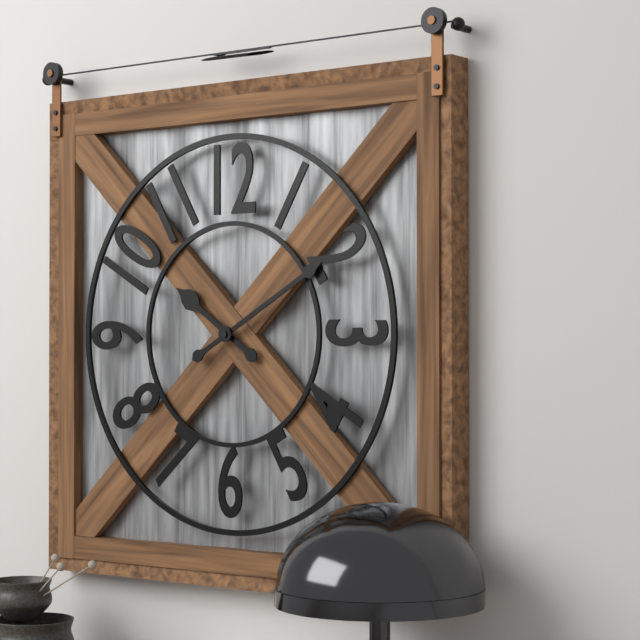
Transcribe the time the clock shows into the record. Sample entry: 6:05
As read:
10:10
